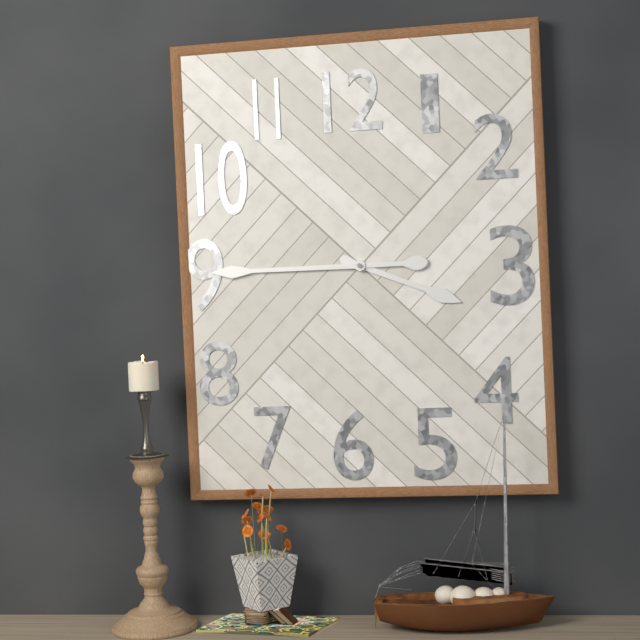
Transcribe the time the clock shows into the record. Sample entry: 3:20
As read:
3:45
